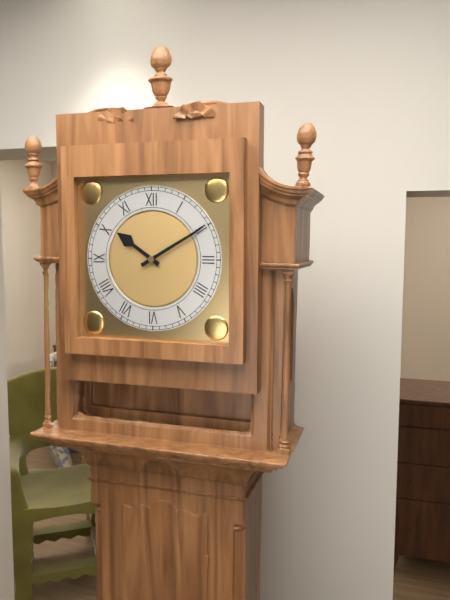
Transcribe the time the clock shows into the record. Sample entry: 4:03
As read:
10:10
